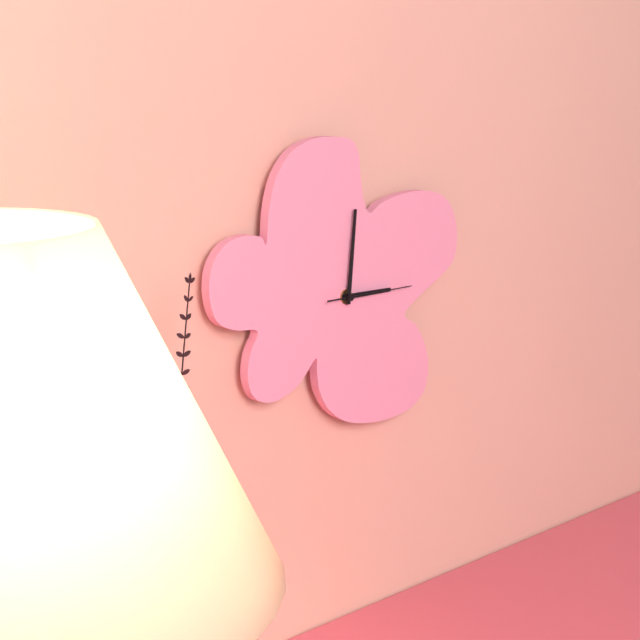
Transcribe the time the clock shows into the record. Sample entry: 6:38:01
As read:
3:01:15
